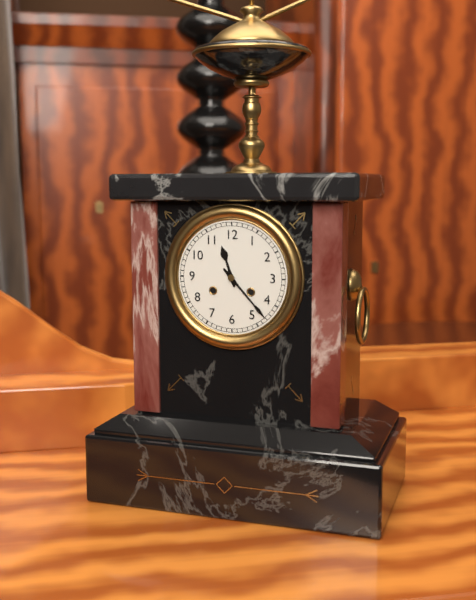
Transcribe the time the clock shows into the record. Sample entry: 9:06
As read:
11:23
